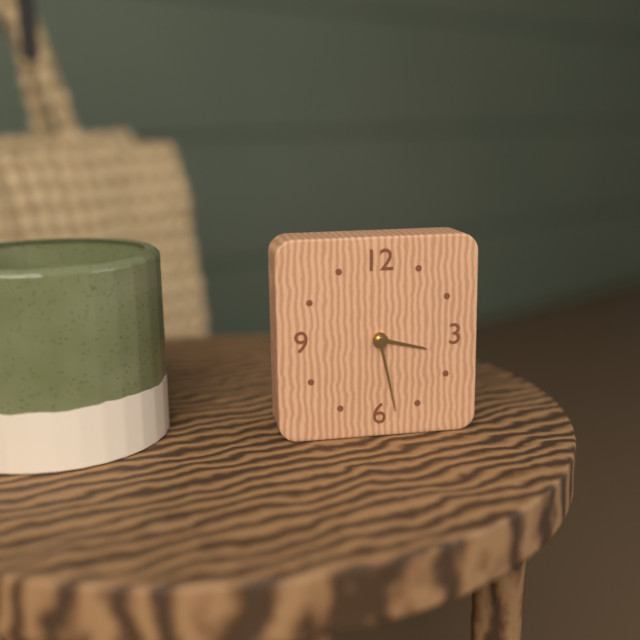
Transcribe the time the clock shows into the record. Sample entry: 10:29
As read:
3:28
